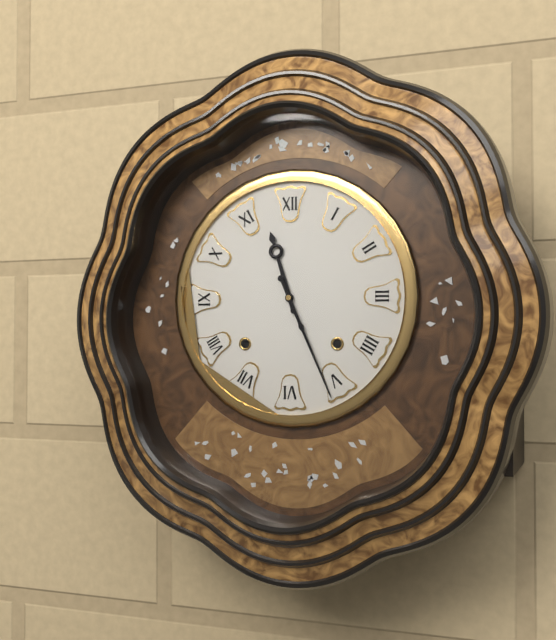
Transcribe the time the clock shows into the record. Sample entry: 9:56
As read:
11:26
